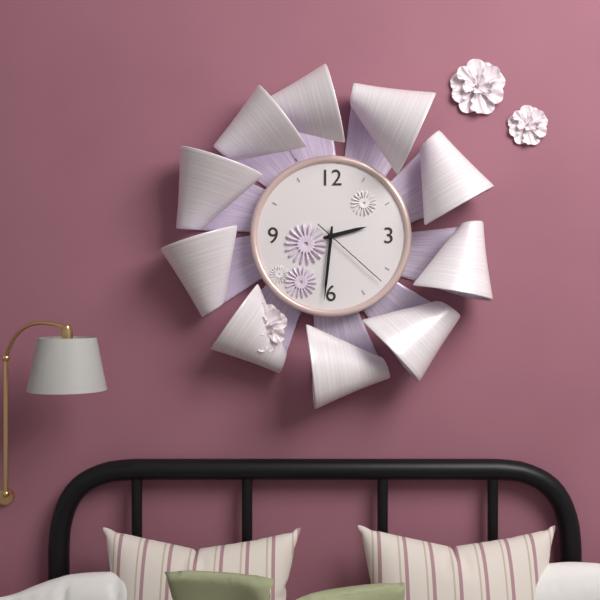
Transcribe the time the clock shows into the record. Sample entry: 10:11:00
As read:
2:31:22
